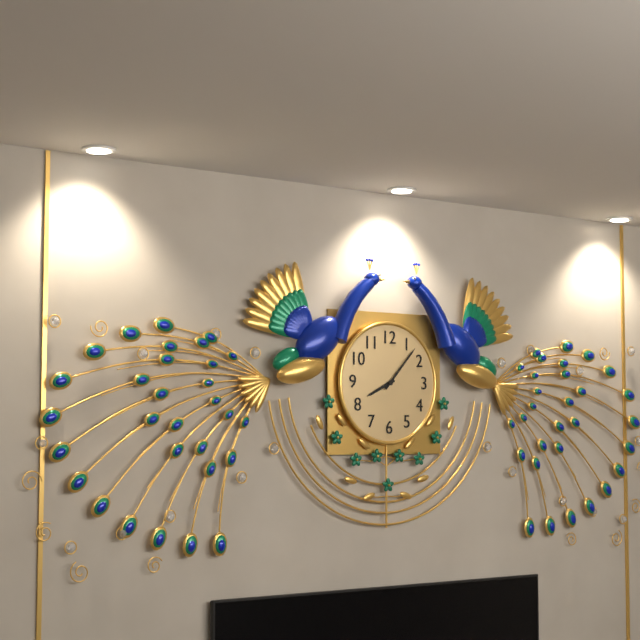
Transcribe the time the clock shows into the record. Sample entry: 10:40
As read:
8:07
